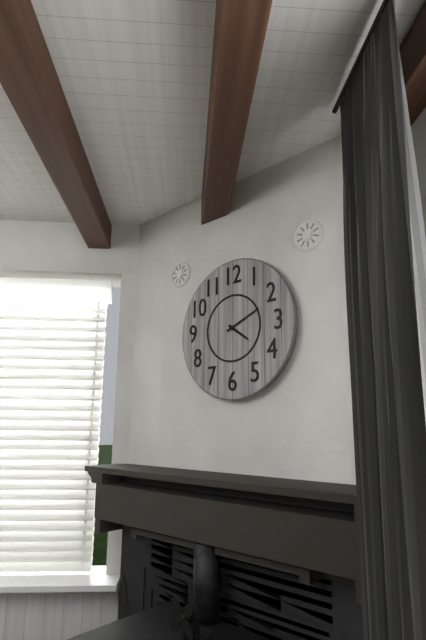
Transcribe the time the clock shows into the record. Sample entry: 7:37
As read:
4:11
